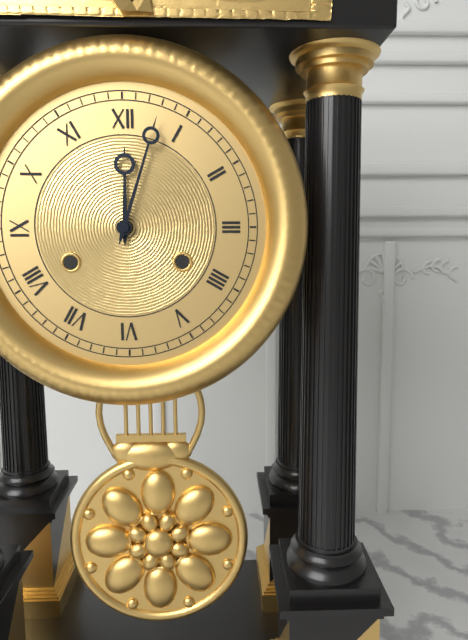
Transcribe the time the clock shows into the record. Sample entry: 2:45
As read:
12:03
